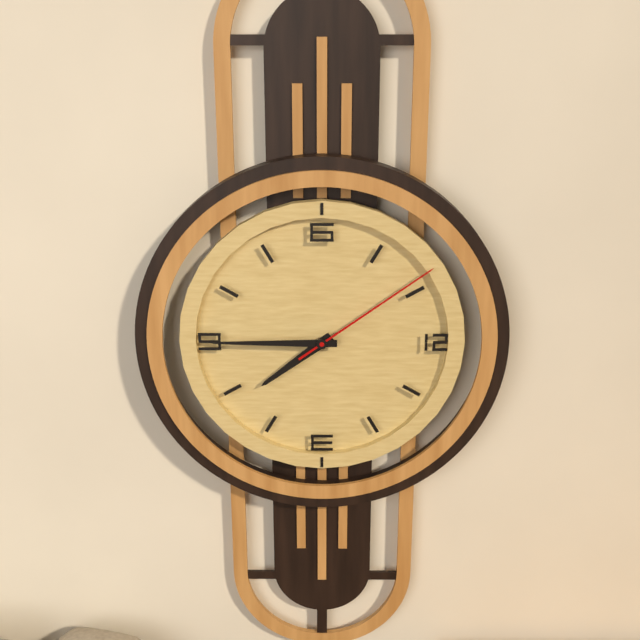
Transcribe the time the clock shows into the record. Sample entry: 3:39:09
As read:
7:45:09
